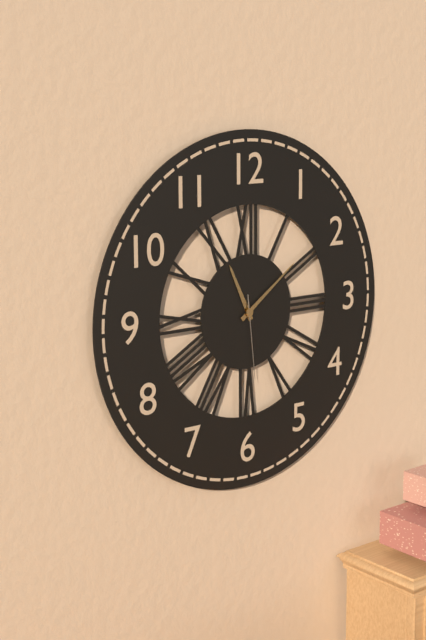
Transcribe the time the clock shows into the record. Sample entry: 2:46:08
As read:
11:09:29
